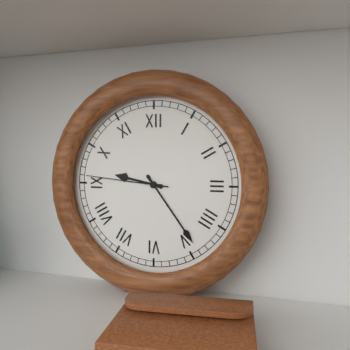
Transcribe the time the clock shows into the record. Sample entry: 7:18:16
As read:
9:24:46
